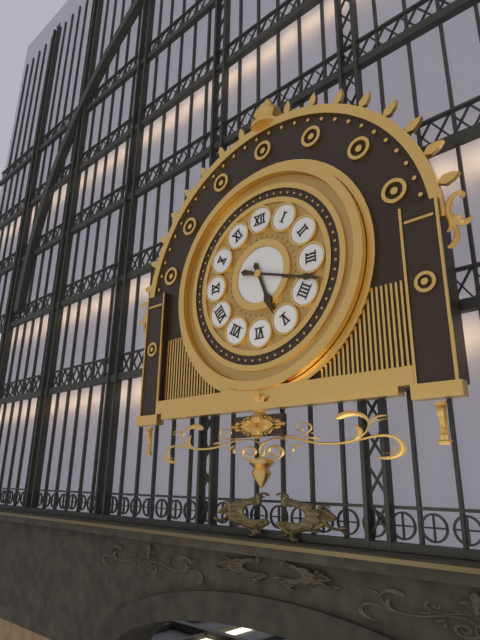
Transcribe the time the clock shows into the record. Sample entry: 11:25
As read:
5:18
